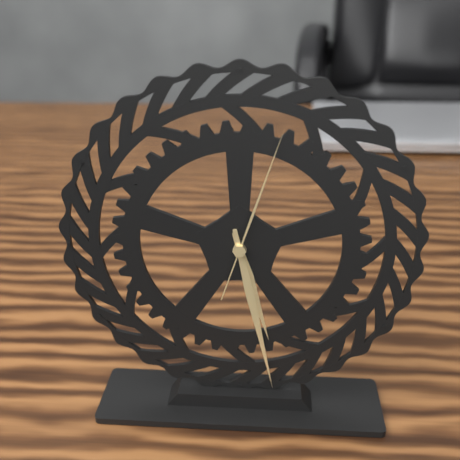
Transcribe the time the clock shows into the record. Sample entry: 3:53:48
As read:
5:28:03
